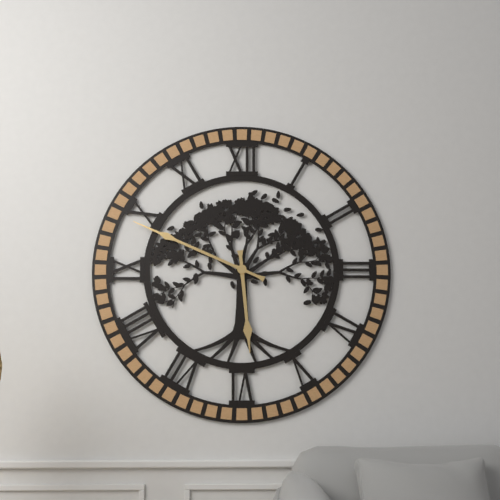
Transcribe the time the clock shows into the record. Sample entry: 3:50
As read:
5:49
